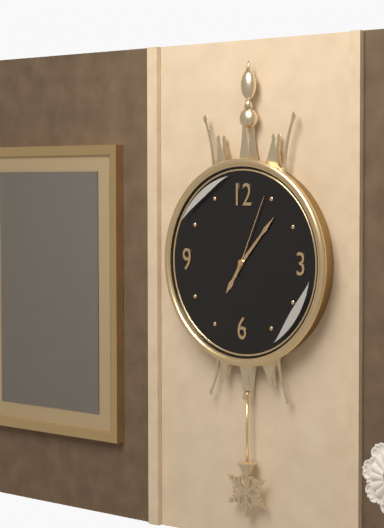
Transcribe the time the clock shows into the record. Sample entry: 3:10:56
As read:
7:07:04
